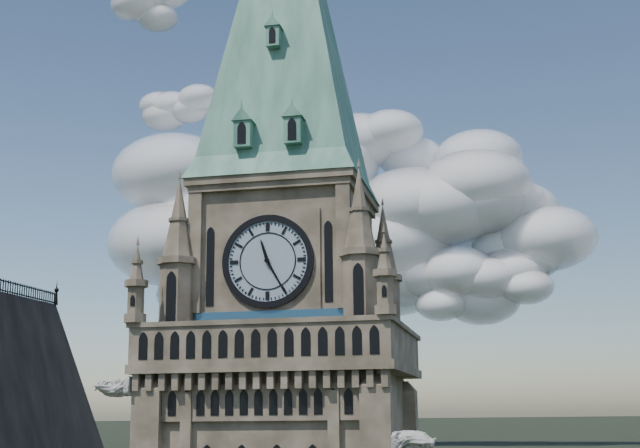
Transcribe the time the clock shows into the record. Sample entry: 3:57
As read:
11:25
